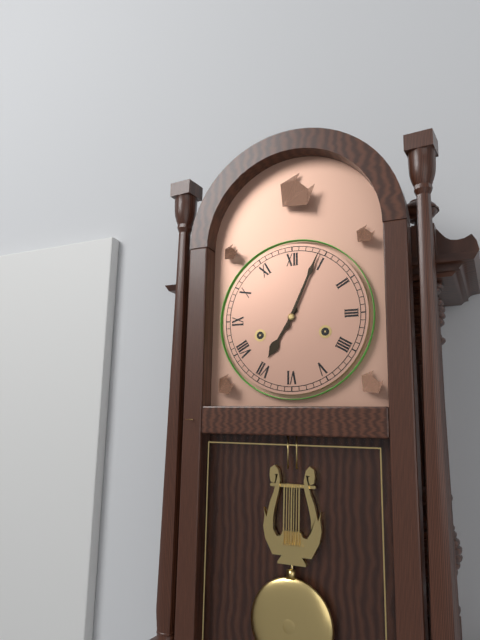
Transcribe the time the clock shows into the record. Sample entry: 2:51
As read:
7:04
